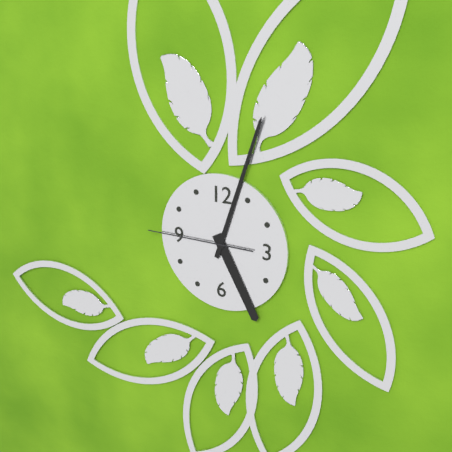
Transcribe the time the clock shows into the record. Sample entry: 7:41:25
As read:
5:03:45
